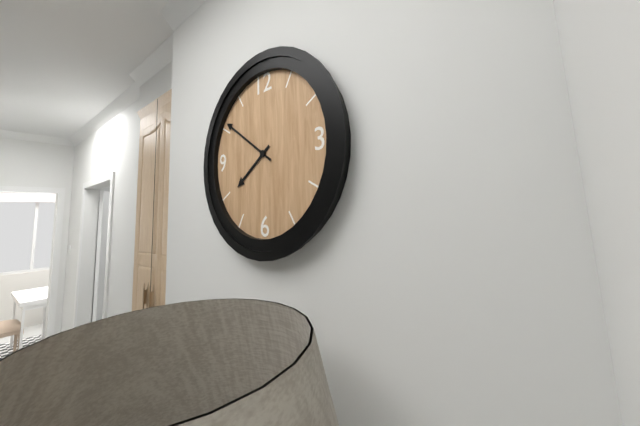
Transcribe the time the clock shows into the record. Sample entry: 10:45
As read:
7:51
